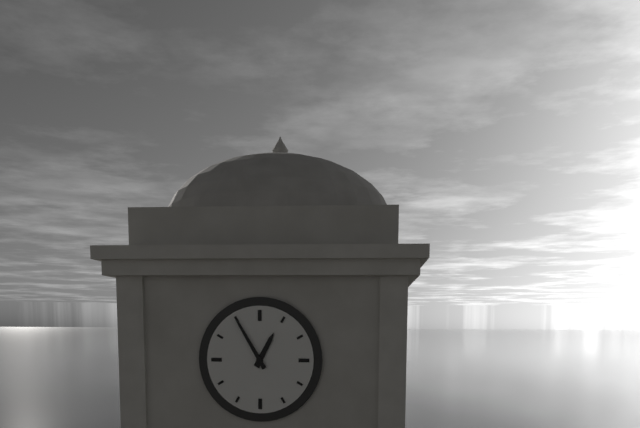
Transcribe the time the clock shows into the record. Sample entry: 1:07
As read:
12:55
